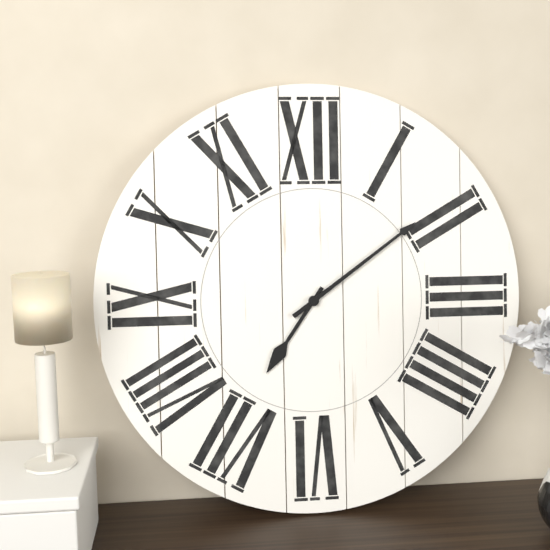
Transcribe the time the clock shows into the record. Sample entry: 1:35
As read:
7:09
